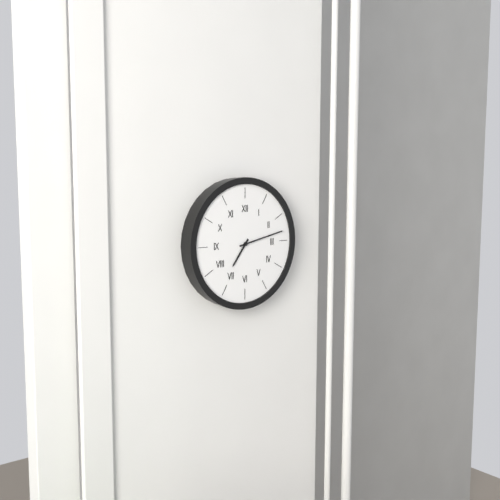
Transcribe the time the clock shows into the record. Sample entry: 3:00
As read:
7:13
